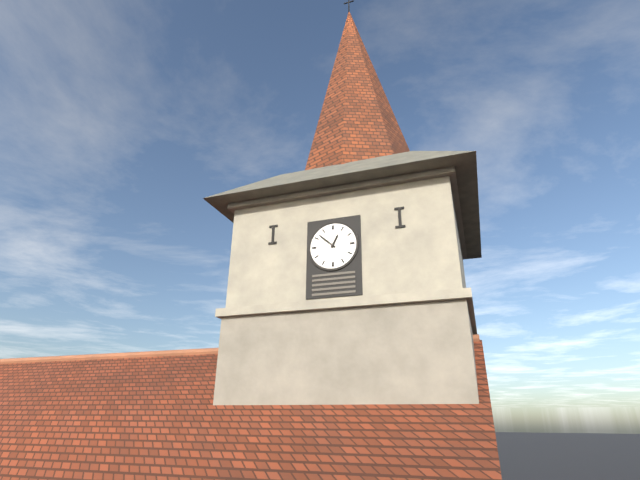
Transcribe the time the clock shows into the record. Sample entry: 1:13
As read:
12:52
